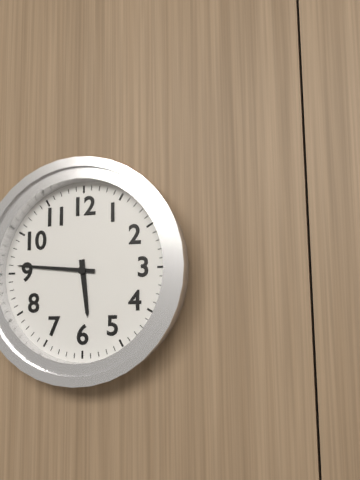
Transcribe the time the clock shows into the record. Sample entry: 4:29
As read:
5:46
